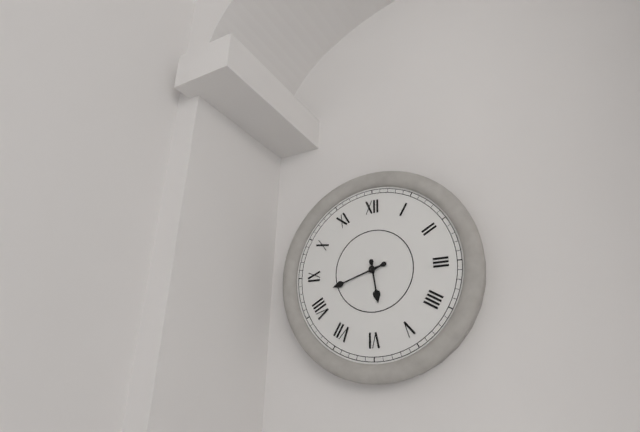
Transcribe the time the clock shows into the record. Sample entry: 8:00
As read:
5:42
